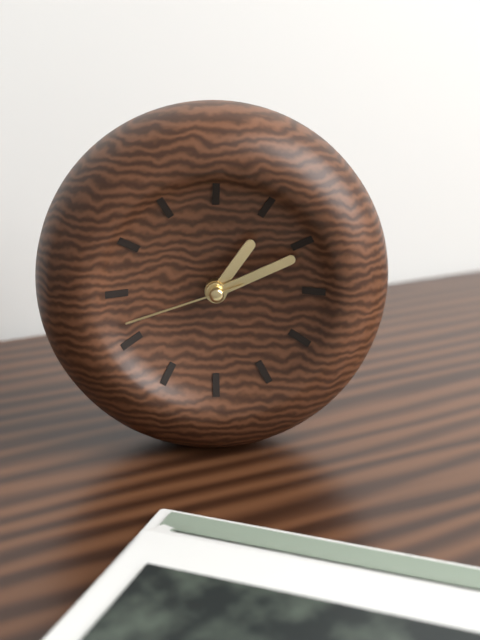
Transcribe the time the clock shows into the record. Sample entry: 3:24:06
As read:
1:11:42
